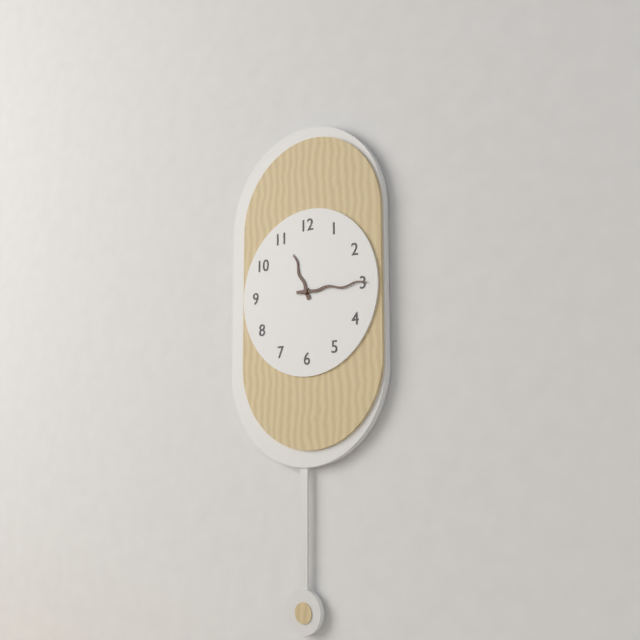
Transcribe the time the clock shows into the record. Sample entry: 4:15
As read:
11:15
